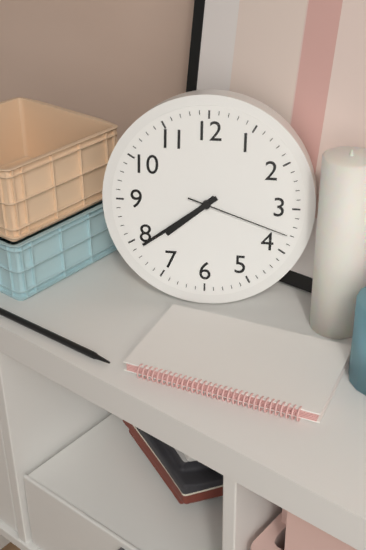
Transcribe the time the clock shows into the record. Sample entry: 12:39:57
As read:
7:39:18
